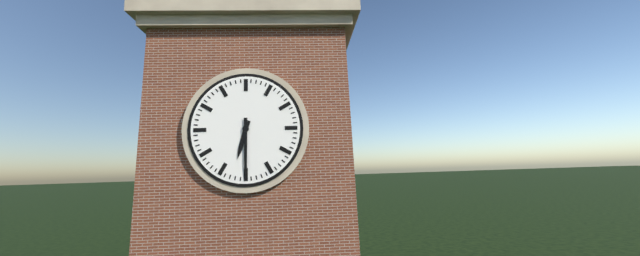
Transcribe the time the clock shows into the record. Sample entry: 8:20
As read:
6:30
